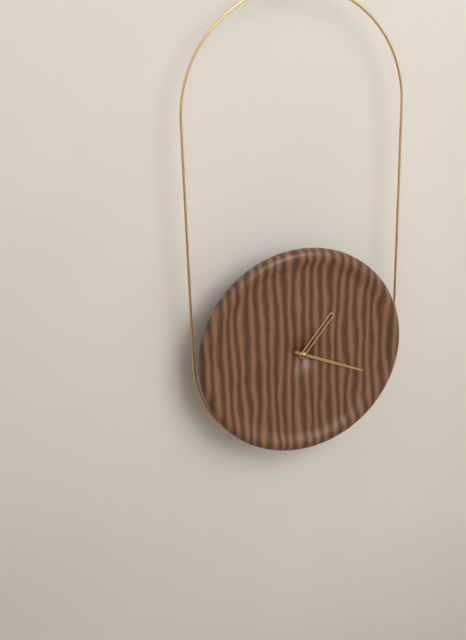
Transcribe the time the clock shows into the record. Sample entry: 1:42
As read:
1:19
